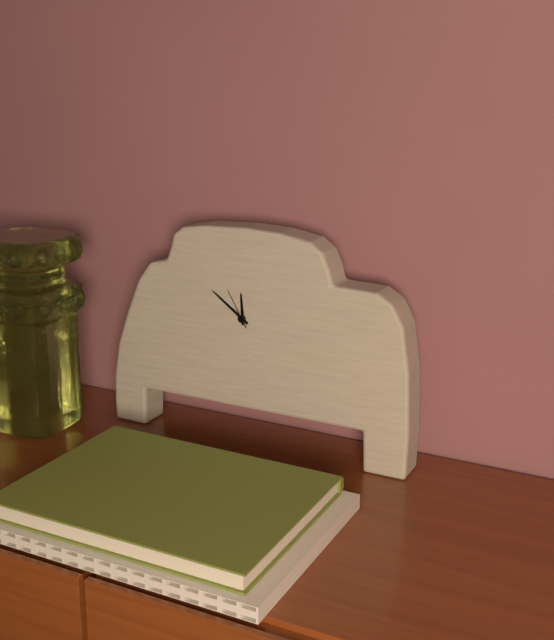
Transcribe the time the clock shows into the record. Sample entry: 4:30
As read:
11:51
